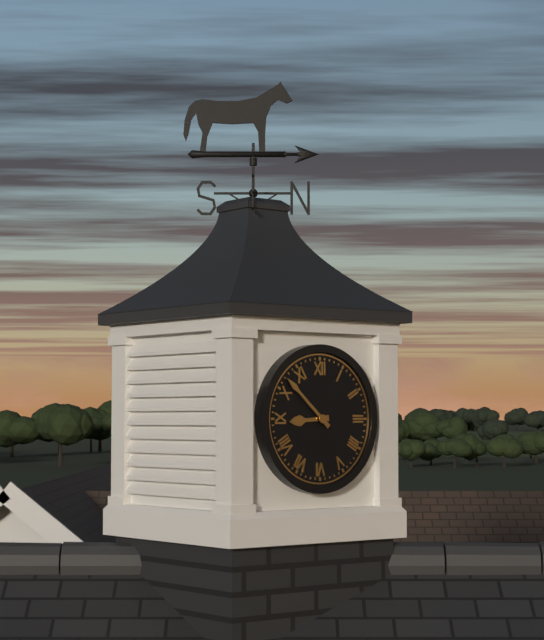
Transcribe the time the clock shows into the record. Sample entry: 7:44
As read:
8:52
